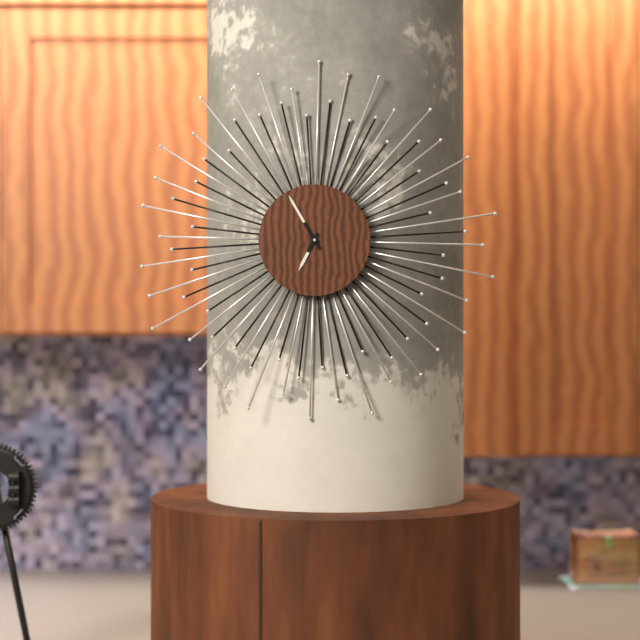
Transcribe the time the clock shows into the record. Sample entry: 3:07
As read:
6:55
